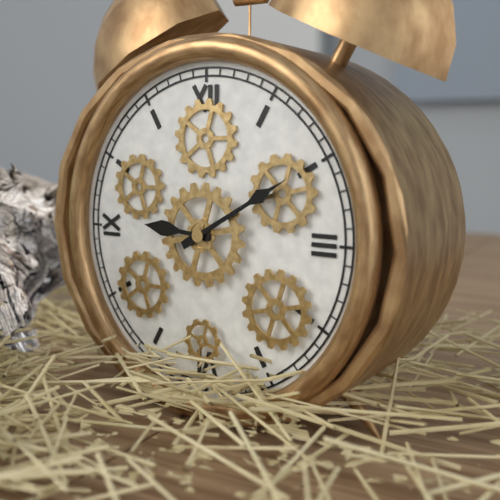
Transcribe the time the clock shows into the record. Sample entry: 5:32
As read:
9:10
